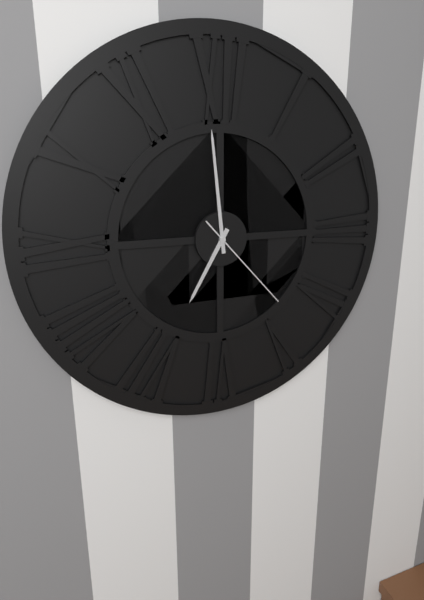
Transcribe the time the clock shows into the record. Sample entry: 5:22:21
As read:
6:59:23
